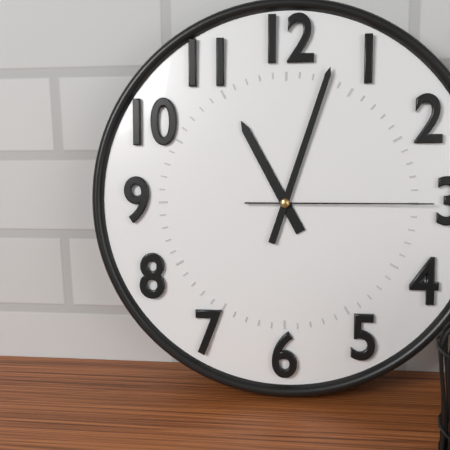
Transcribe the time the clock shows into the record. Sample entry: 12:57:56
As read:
11:03:15
